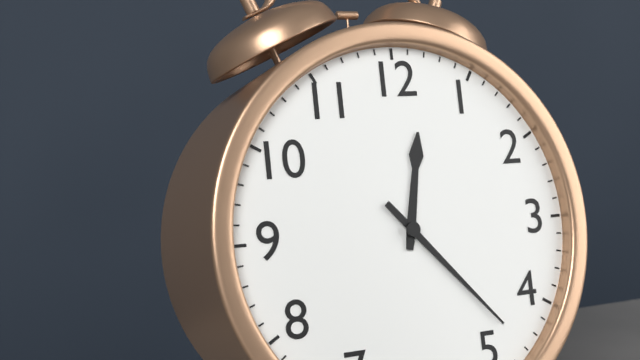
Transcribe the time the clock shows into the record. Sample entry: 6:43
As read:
12:23
